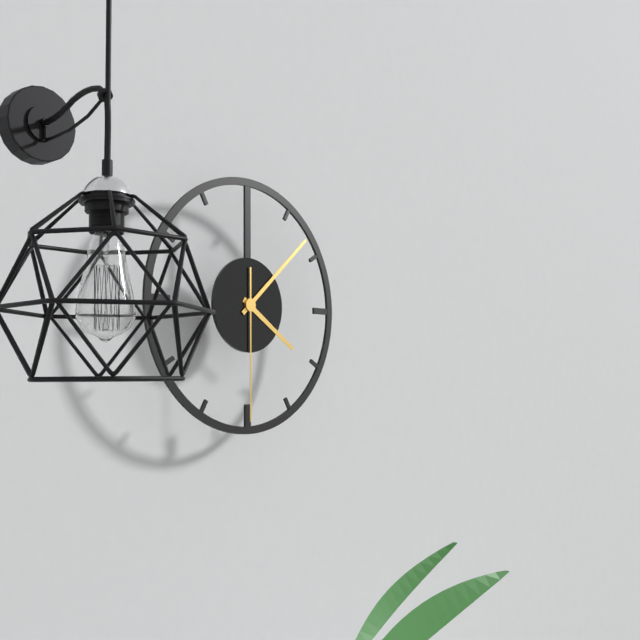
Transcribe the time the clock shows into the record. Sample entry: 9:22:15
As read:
4:08:30
